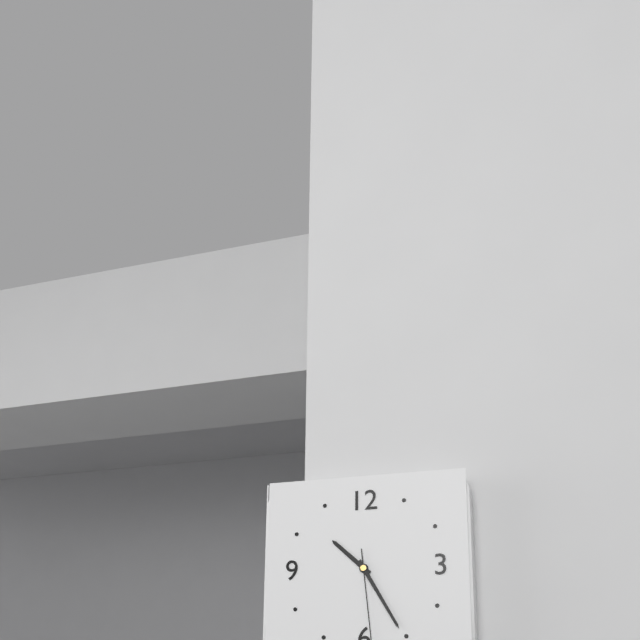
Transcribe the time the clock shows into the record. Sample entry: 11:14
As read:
10:25
